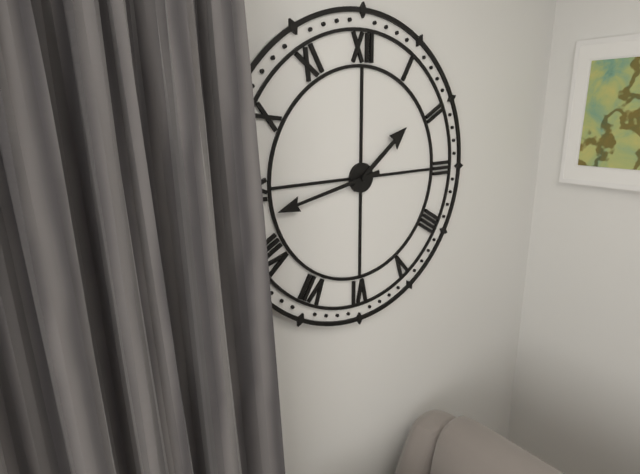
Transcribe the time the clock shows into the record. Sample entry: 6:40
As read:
1:43
